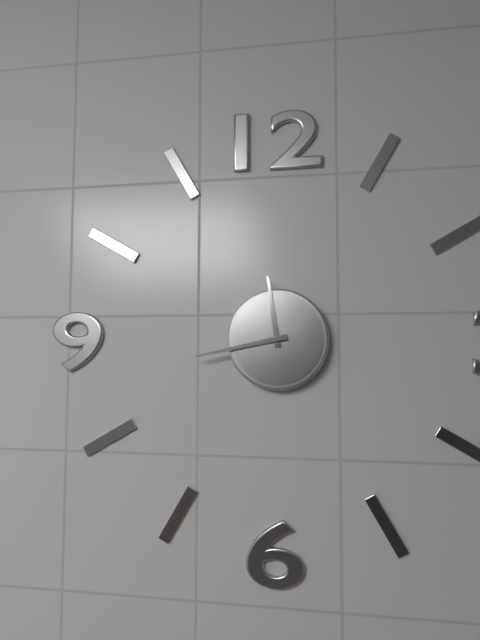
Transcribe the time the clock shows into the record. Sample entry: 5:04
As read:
11:43
